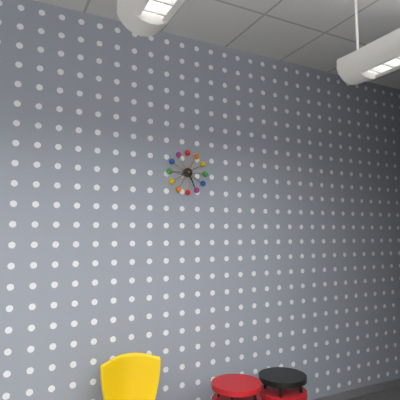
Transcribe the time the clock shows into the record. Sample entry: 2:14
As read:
8:26
